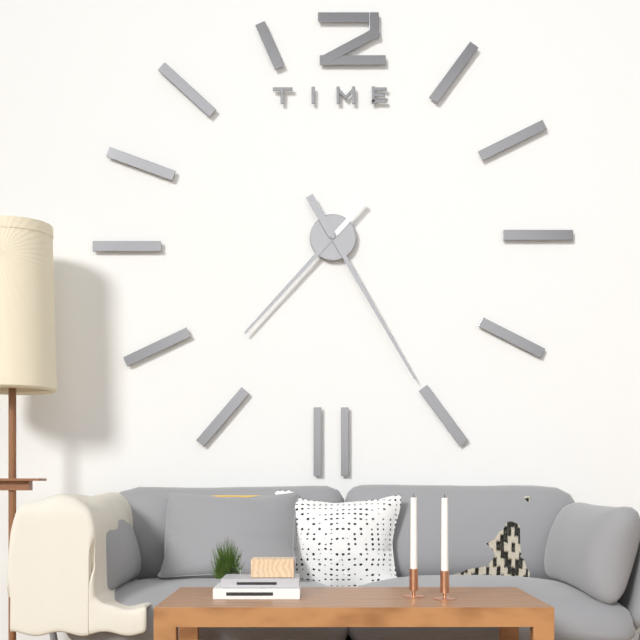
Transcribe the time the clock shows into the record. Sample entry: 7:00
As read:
7:25
